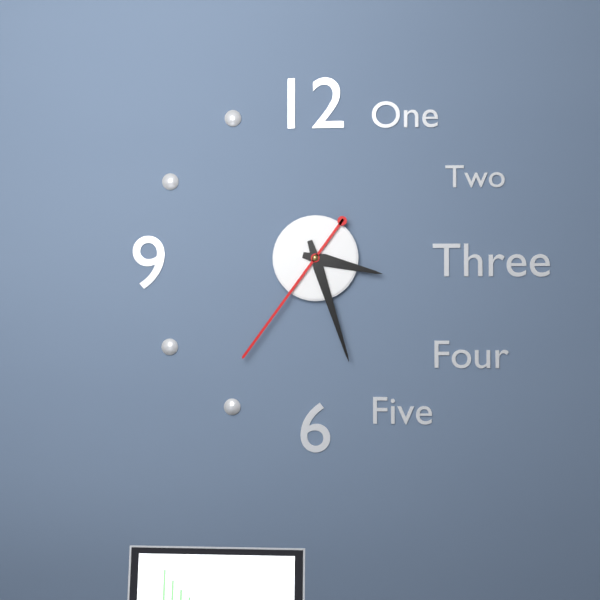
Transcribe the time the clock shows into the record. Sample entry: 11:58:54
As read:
3:27:36
